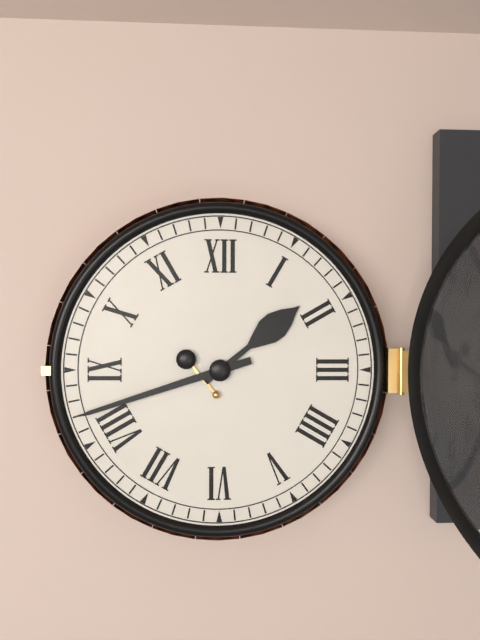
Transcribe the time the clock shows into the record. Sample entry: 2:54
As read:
1:42
